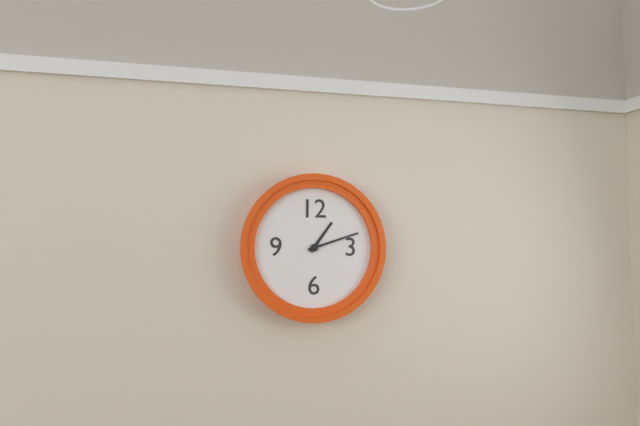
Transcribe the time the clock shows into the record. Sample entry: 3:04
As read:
1:12
